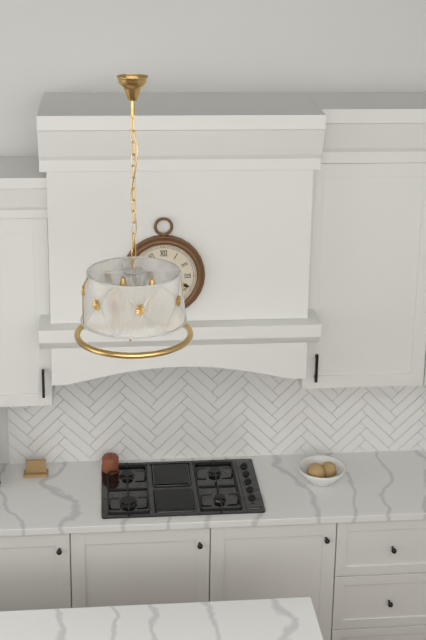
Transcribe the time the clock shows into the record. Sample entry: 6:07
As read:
10:19
